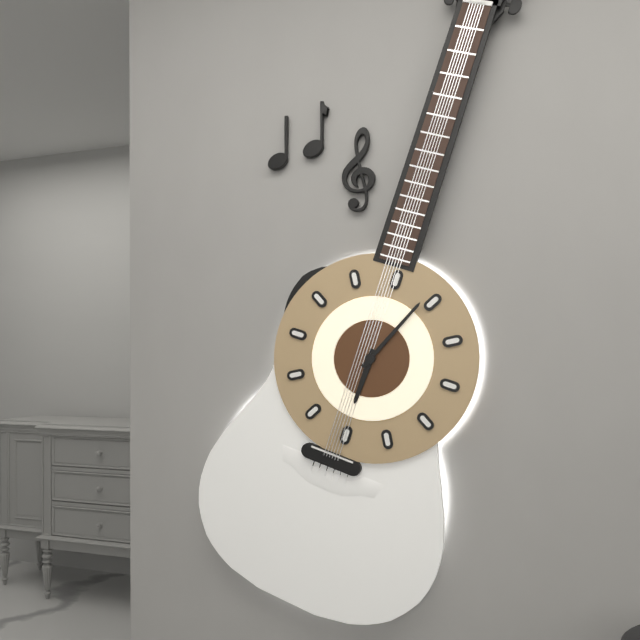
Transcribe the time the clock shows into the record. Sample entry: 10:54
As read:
6:04
